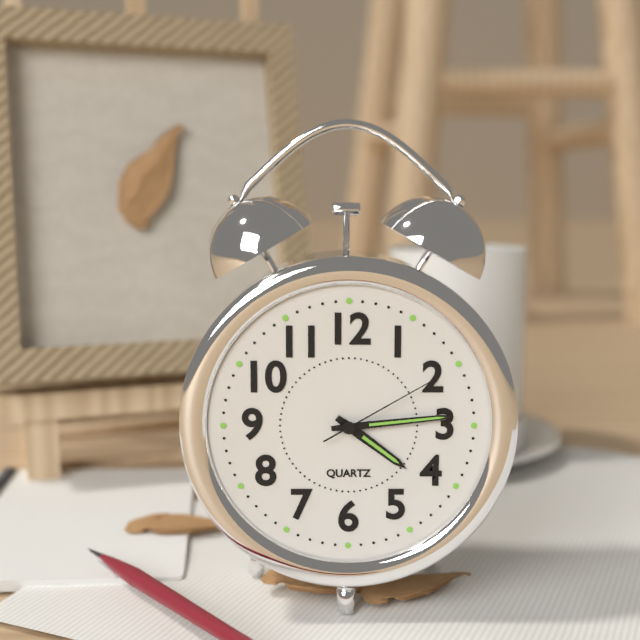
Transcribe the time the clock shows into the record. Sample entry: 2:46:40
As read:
4:14:10
